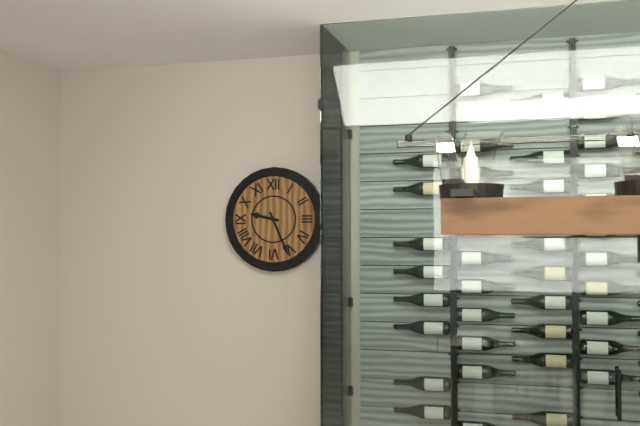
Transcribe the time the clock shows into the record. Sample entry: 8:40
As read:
9:26
